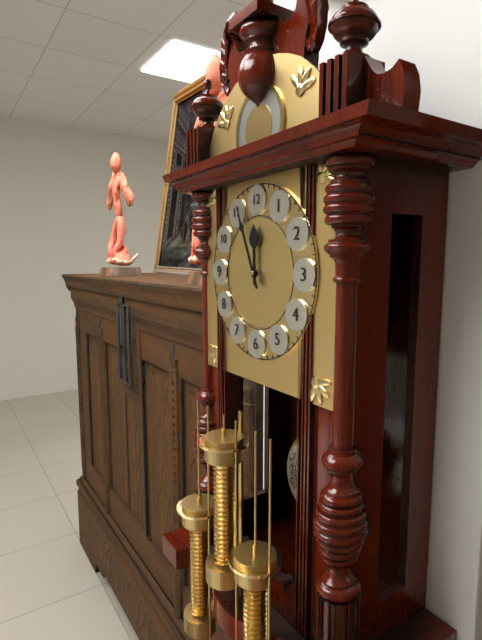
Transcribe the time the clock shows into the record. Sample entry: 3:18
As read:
11:56
